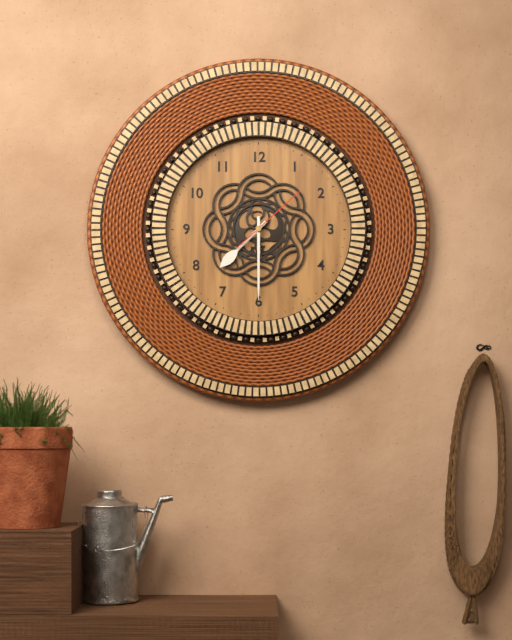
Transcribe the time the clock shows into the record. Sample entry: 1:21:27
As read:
7:30:08
